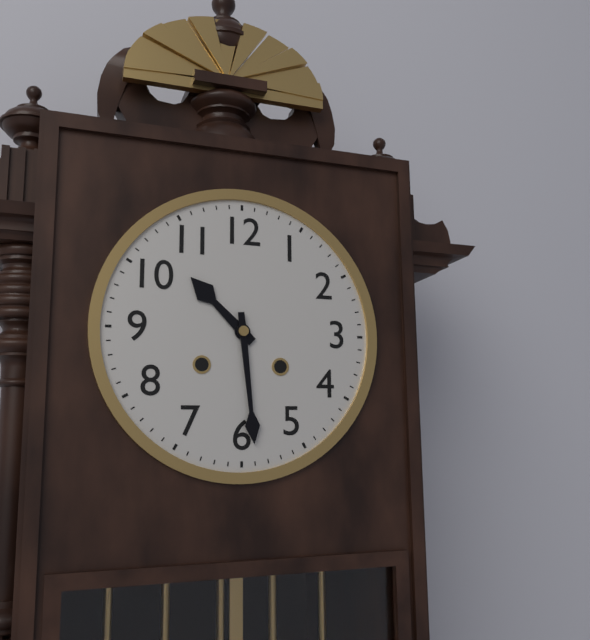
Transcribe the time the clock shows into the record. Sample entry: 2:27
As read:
10:29
